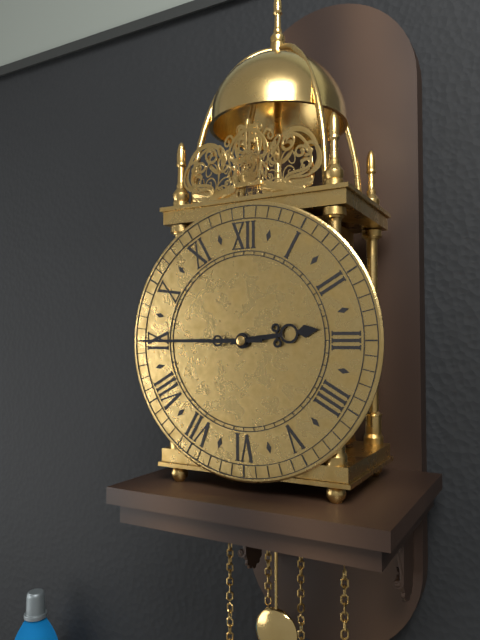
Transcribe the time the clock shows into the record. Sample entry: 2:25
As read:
2:45
